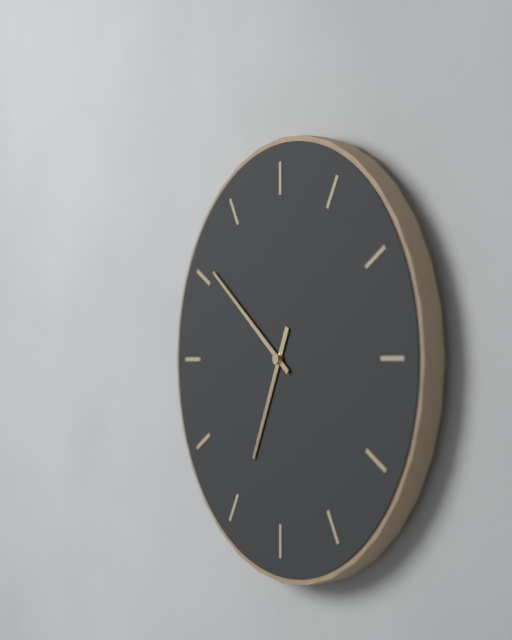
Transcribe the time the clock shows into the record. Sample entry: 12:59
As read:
6:51
